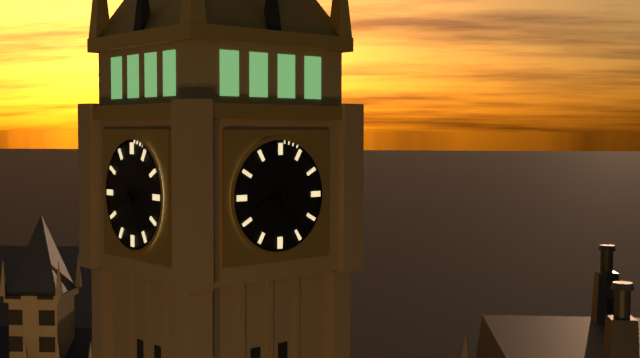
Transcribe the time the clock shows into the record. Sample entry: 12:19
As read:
8:25
